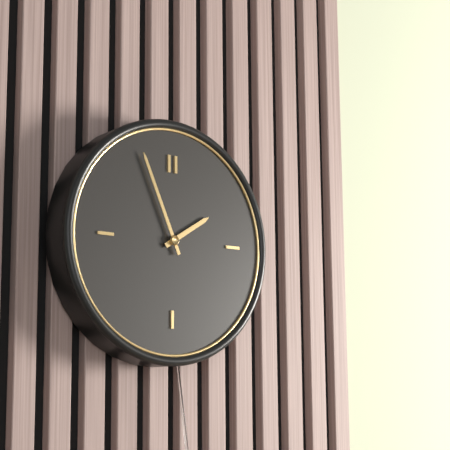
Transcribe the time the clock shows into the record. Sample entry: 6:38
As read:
1:56
